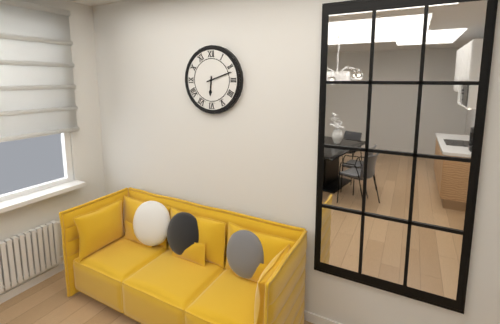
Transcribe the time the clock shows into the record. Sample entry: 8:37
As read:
6:12
